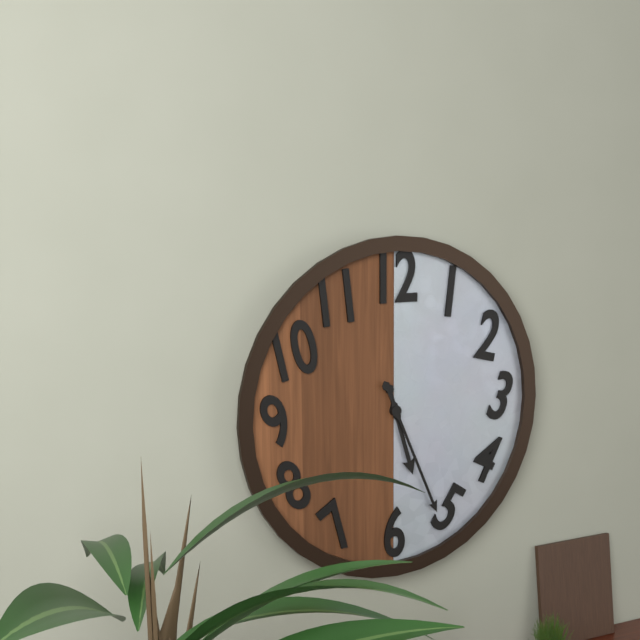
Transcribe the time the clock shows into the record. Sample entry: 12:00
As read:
5:26
